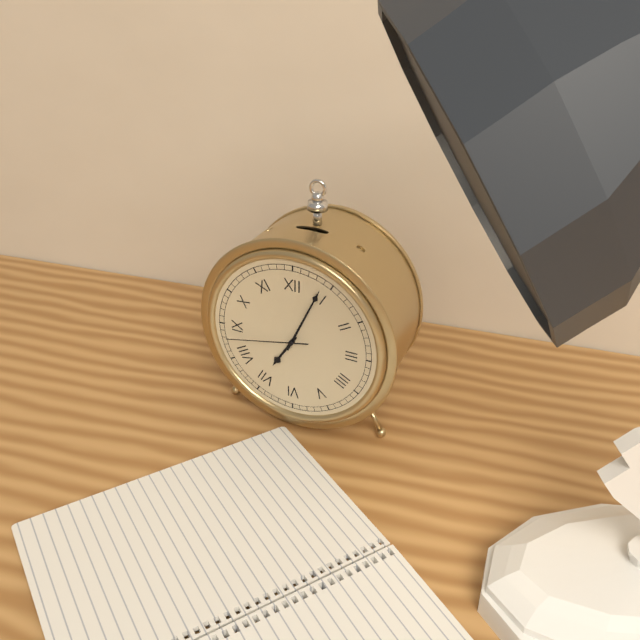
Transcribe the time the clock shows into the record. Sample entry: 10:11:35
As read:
7:04:43
